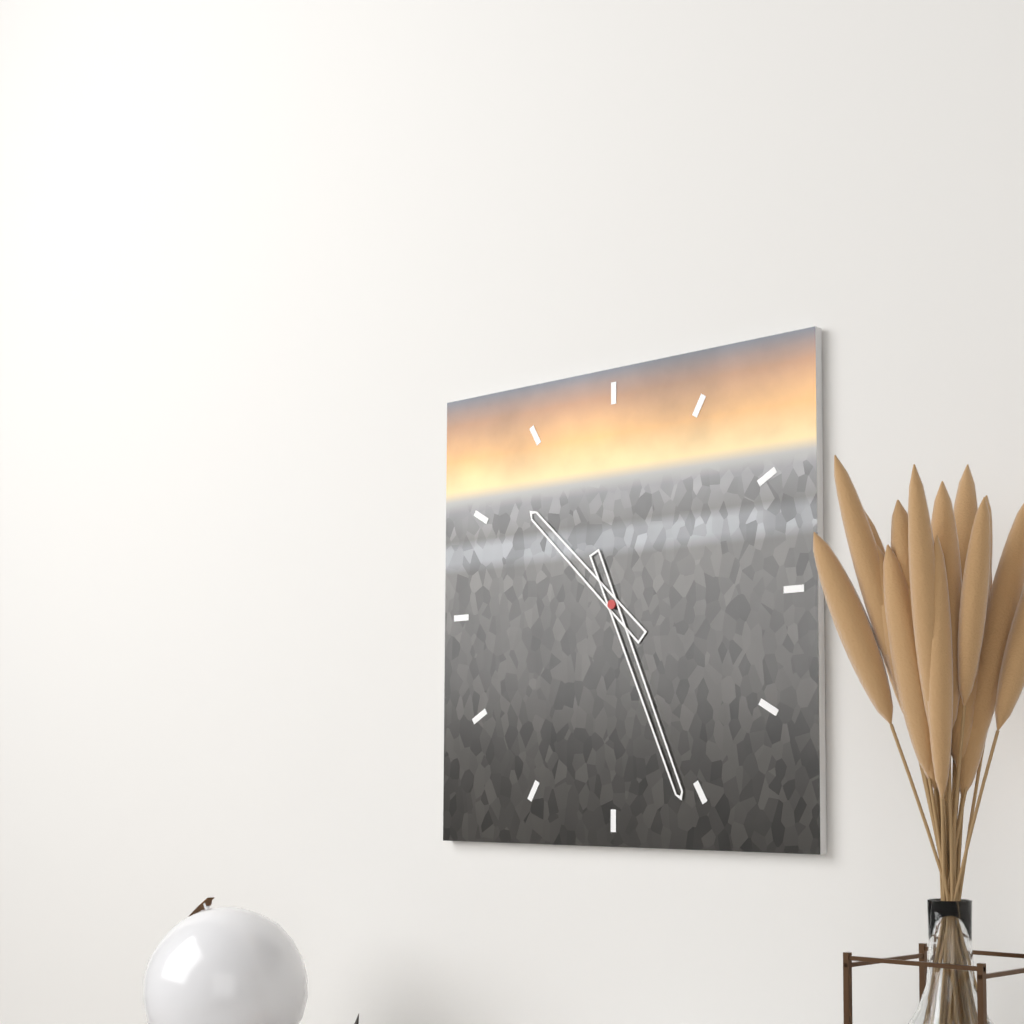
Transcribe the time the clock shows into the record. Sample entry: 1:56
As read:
10:26
